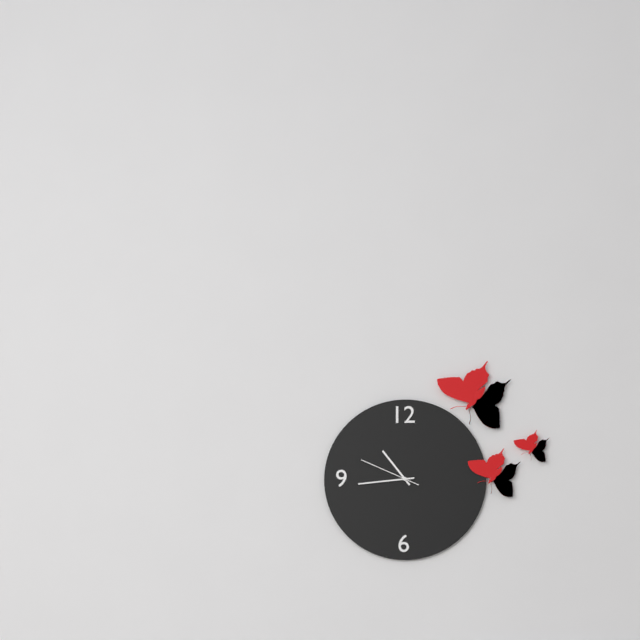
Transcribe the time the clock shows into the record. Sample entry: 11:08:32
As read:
10:44:49
